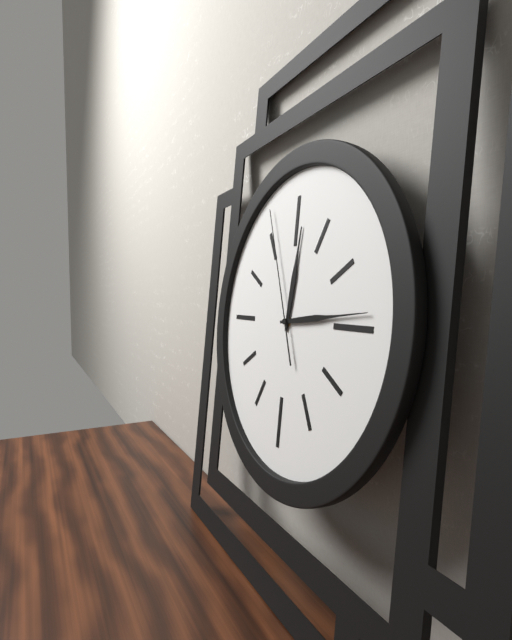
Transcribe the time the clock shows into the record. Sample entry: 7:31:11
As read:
12:14:56
